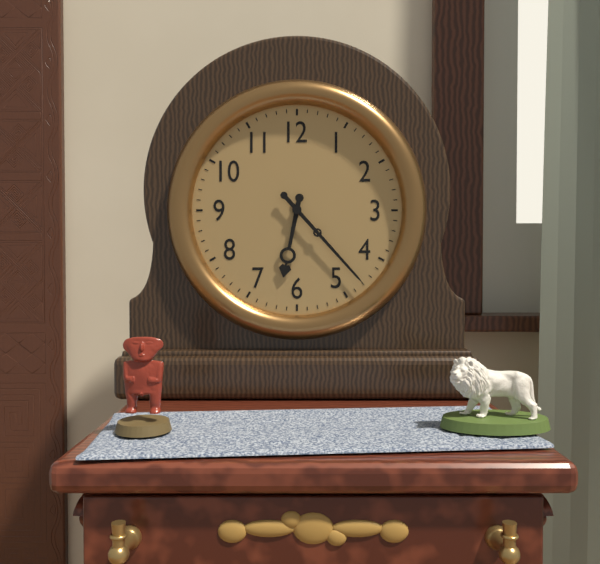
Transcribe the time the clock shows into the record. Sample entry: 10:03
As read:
6:23
